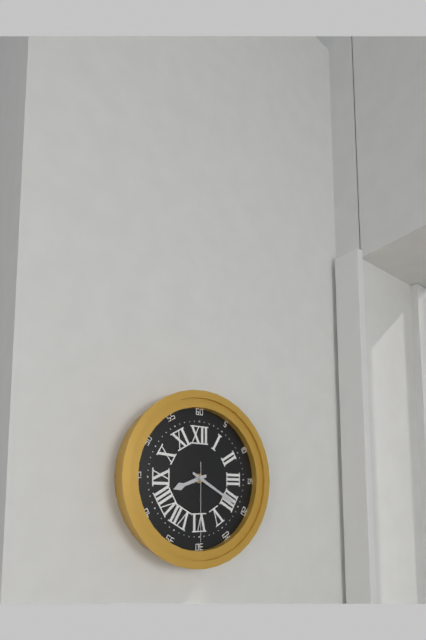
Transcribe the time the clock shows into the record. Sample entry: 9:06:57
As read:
8:20:30
